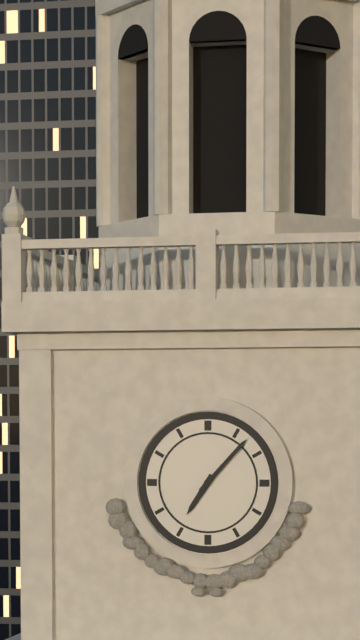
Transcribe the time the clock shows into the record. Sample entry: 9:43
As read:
7:07
